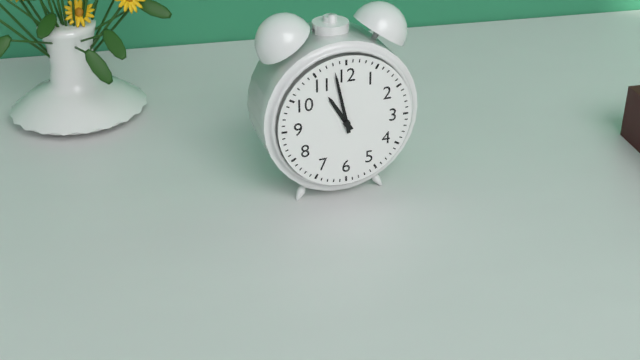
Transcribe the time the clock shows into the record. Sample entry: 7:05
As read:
10:58
